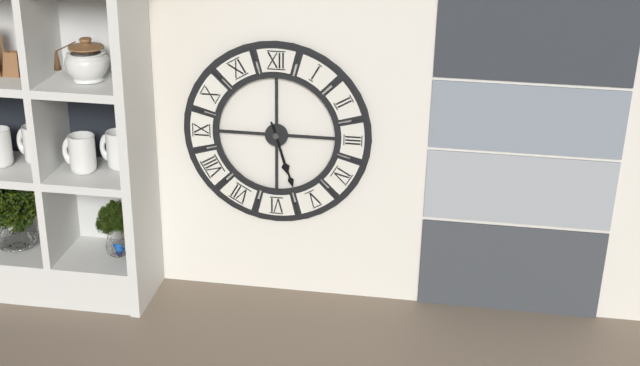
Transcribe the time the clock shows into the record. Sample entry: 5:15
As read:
5:27
